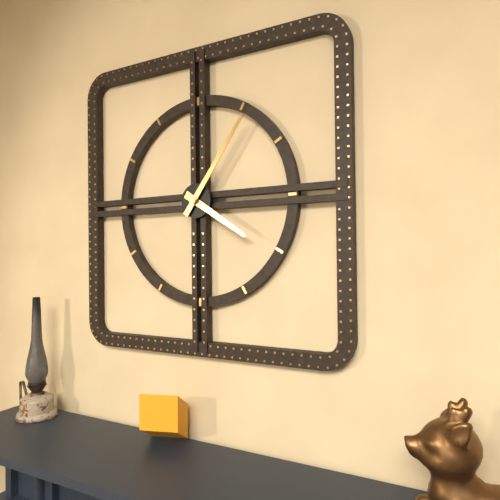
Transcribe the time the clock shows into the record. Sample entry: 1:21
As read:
4:06
